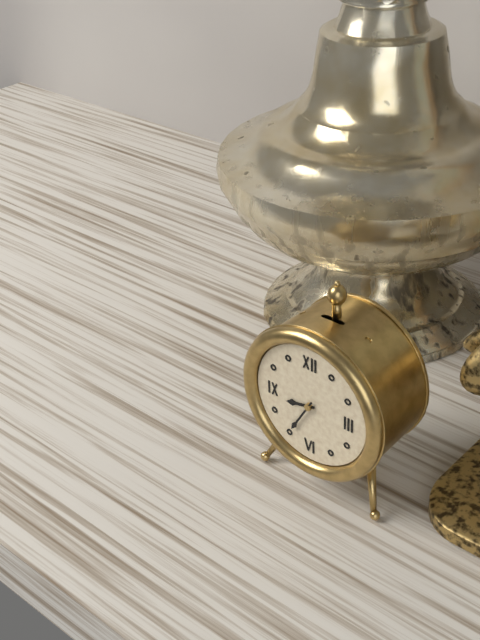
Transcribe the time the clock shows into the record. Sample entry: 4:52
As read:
8:35
